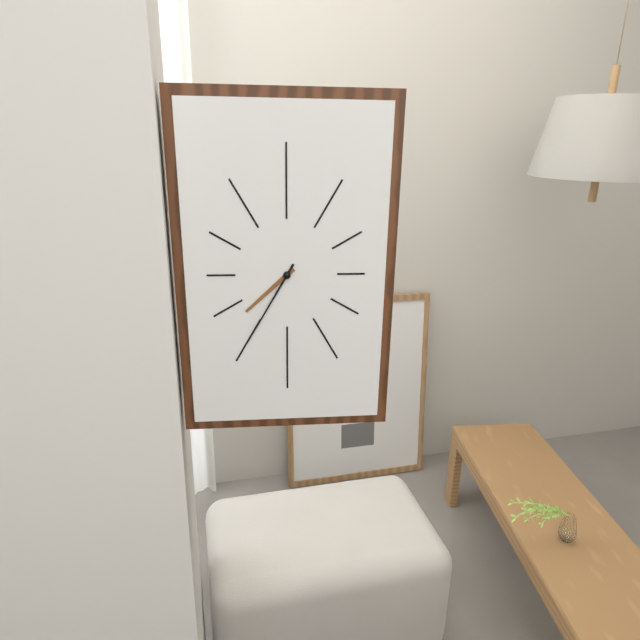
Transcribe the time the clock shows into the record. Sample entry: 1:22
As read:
7:35
